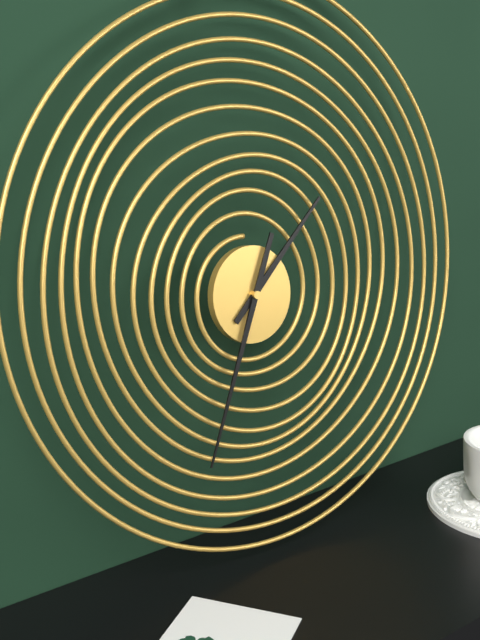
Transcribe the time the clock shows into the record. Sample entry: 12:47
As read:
1:34
